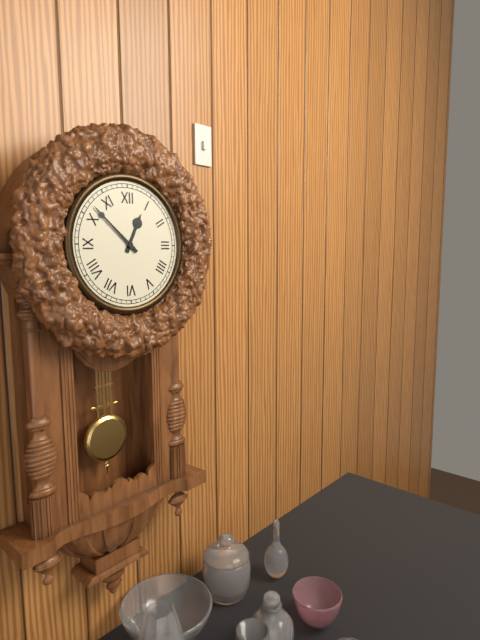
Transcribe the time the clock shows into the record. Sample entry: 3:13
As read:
12:52
